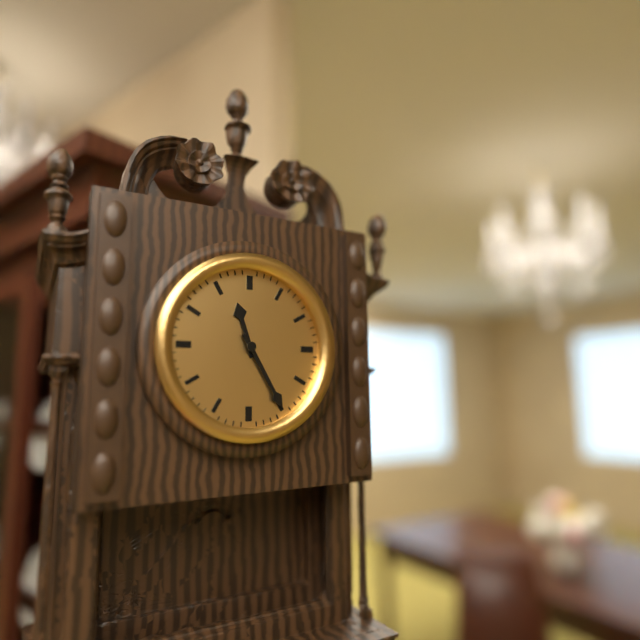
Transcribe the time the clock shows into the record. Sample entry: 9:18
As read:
11:25
